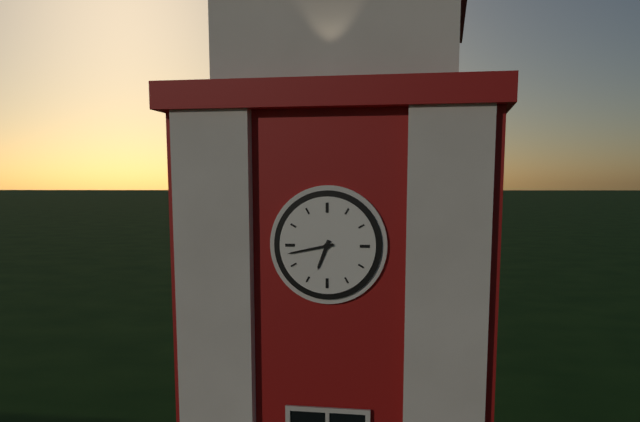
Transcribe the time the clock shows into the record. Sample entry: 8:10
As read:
6:43
